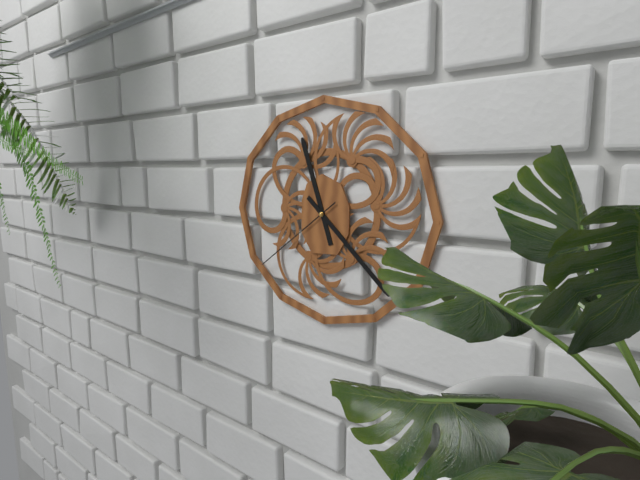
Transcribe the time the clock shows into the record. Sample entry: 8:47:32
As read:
11:22:39
